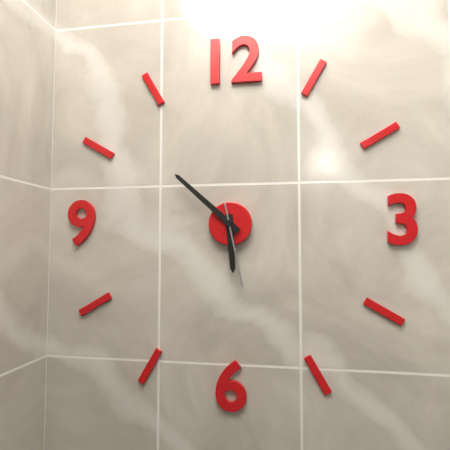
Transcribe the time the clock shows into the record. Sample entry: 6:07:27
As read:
5:52:28
